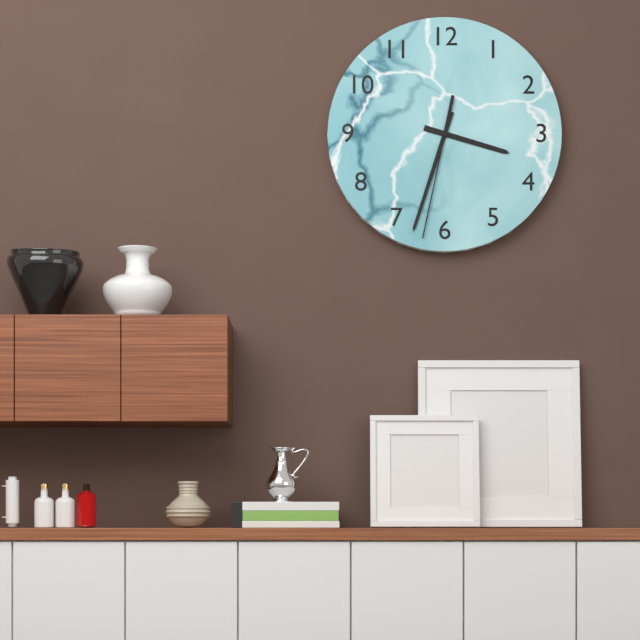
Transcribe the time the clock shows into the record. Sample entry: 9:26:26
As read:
3:33:32
